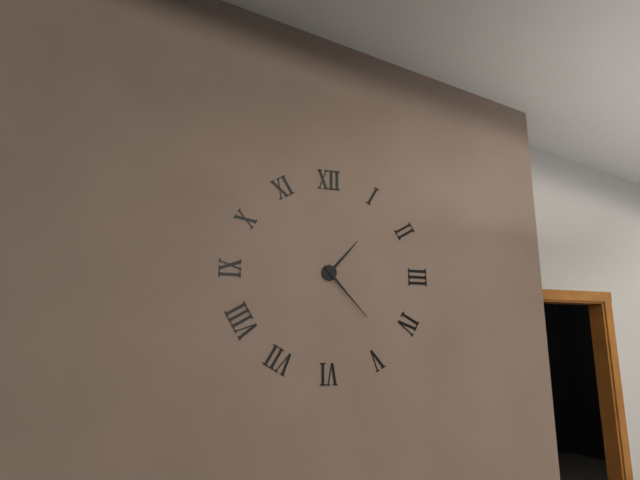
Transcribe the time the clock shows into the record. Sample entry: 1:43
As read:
1:23
